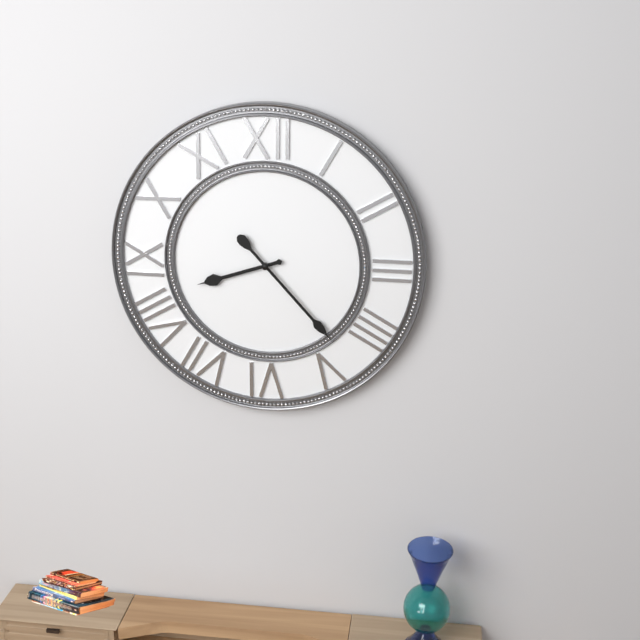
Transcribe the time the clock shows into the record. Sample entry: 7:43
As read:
8:23
